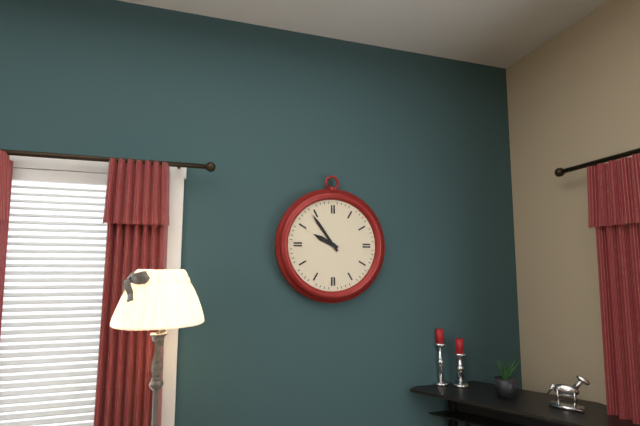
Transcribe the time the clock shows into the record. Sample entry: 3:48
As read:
9:54
